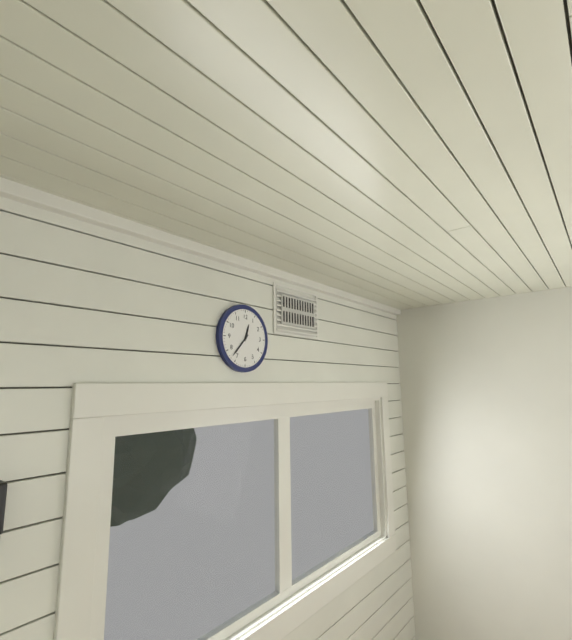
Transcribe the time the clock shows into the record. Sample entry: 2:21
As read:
12:37
